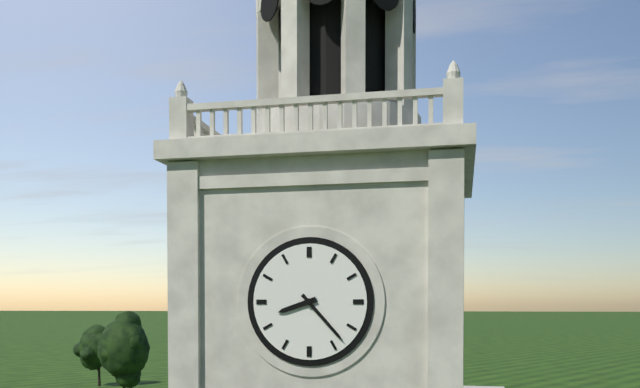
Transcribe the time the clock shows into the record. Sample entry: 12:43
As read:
8:23
